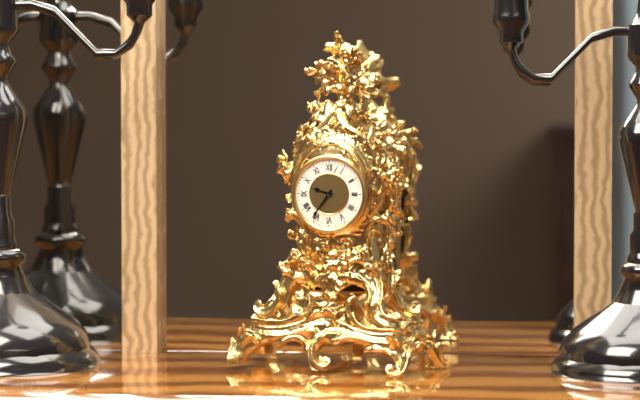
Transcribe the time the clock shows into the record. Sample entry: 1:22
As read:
9:36
